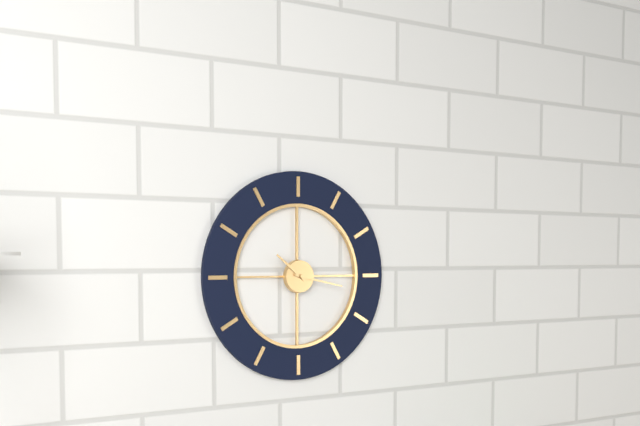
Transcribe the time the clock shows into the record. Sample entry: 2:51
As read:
10:17
